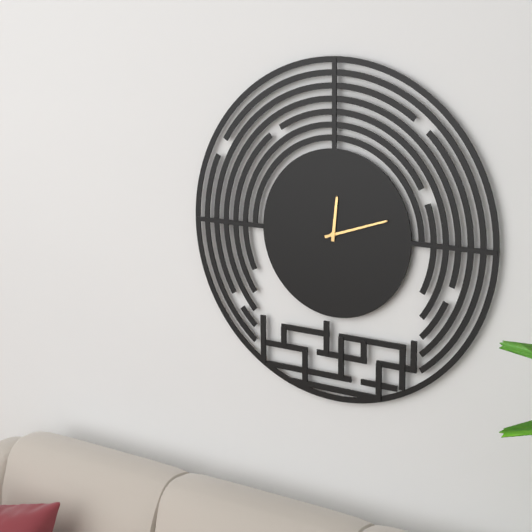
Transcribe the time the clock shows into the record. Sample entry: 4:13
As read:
12:12
